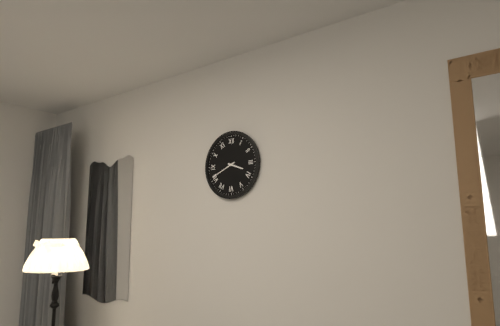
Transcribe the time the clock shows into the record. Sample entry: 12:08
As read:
3:41
